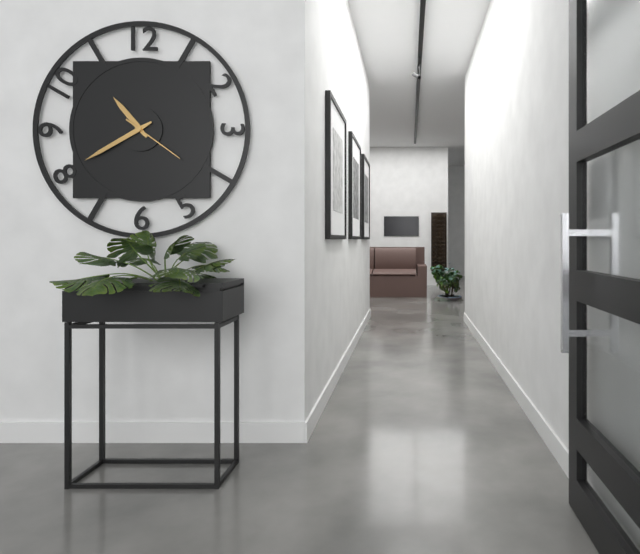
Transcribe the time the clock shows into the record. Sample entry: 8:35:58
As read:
10:40:21
